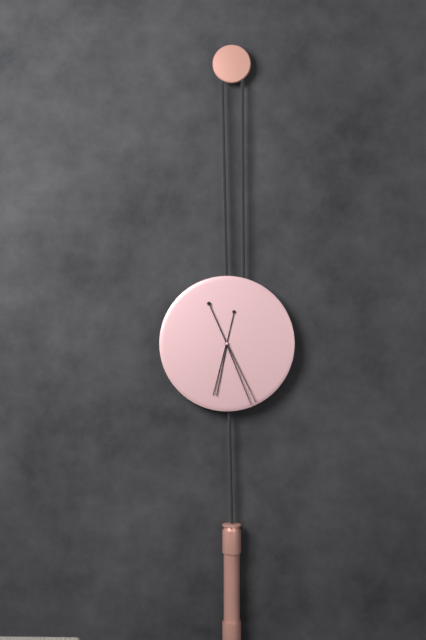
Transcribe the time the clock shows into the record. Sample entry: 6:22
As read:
6:26
